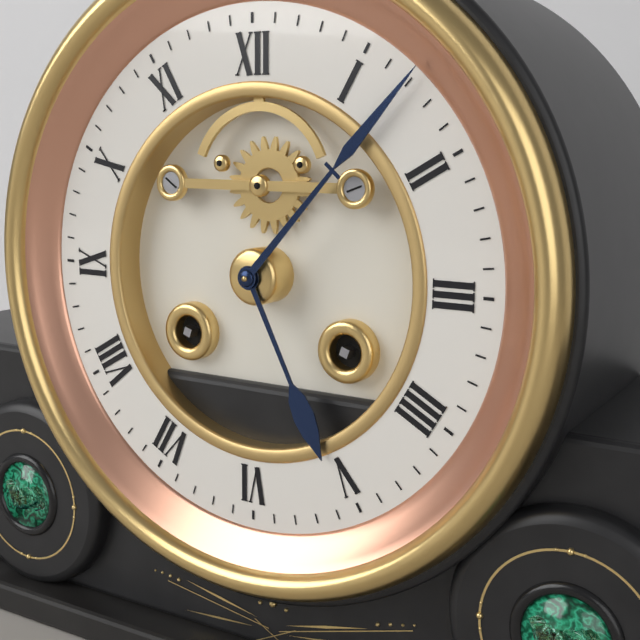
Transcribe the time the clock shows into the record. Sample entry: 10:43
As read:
5:07
